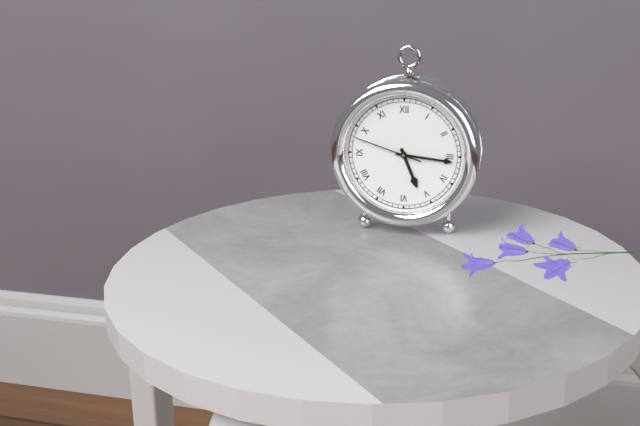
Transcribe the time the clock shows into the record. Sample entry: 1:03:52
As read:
5:16:48
